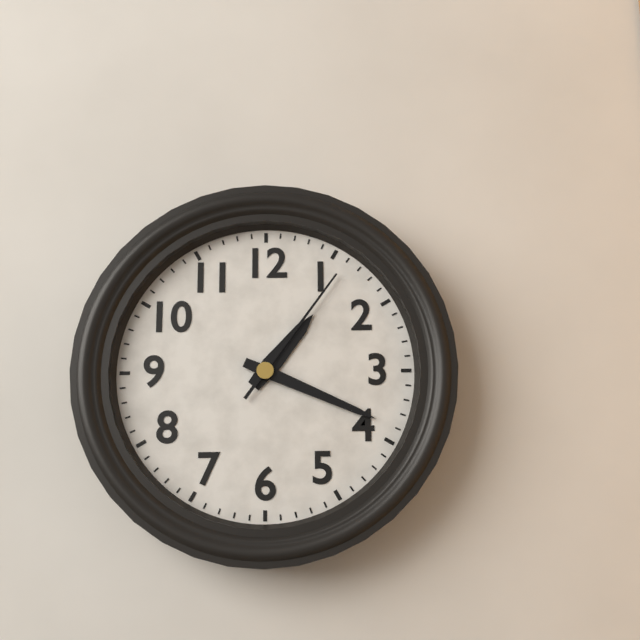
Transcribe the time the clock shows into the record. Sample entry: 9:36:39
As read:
1:19:06
